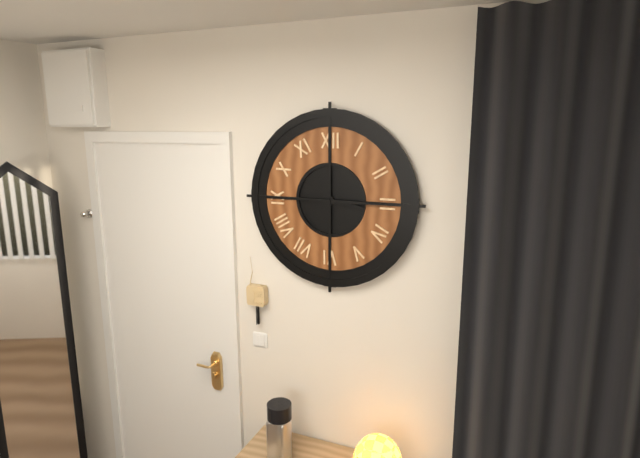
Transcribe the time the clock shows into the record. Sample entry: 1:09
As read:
3:15
